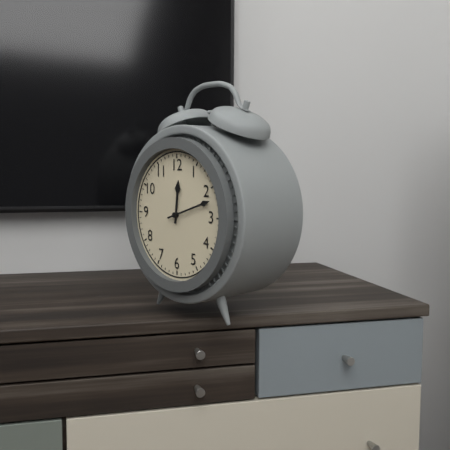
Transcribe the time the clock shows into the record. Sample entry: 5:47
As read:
12:12
